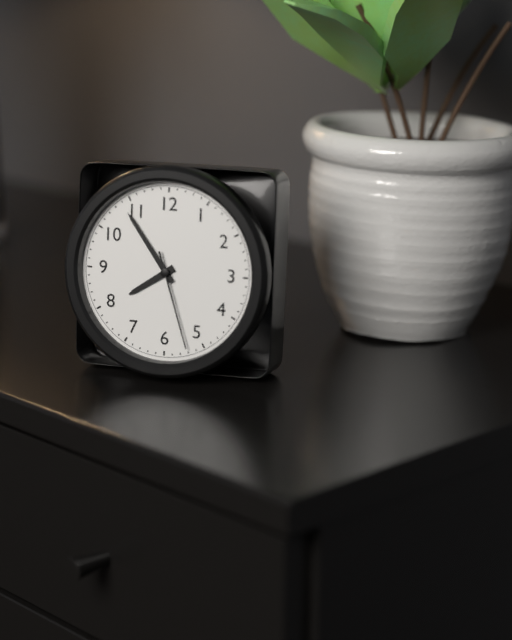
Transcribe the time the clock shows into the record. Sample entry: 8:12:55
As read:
7:54:27
